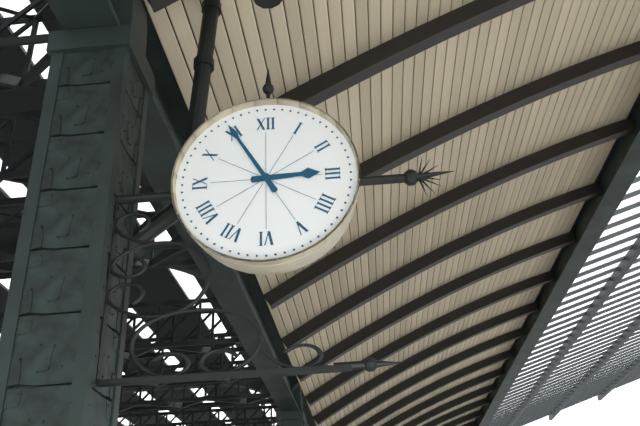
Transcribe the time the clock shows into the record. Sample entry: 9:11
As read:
2:55
